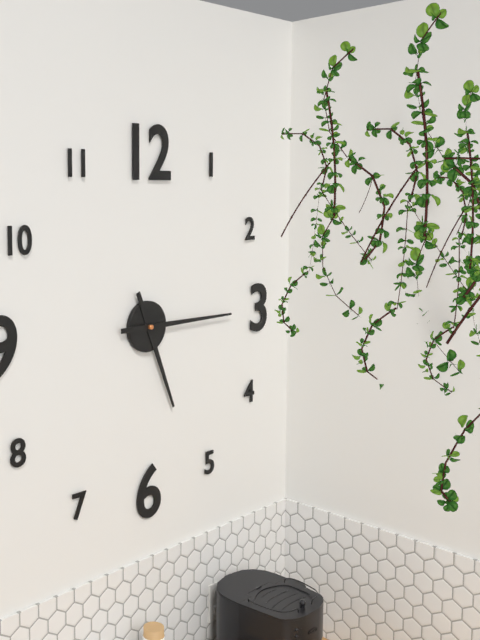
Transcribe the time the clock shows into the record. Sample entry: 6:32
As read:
5:15
